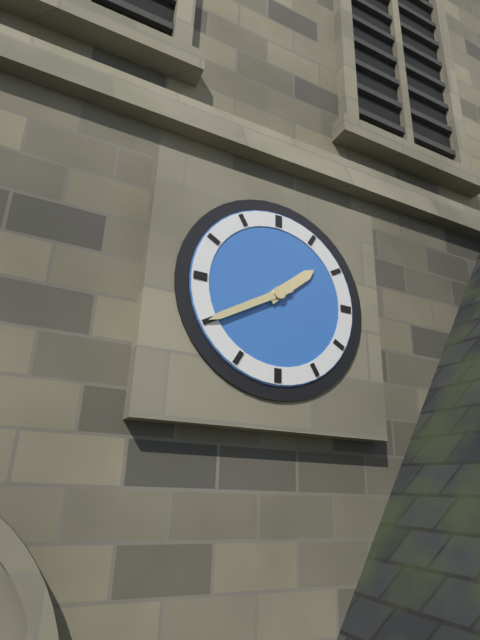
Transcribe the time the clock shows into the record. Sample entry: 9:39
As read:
1:40
